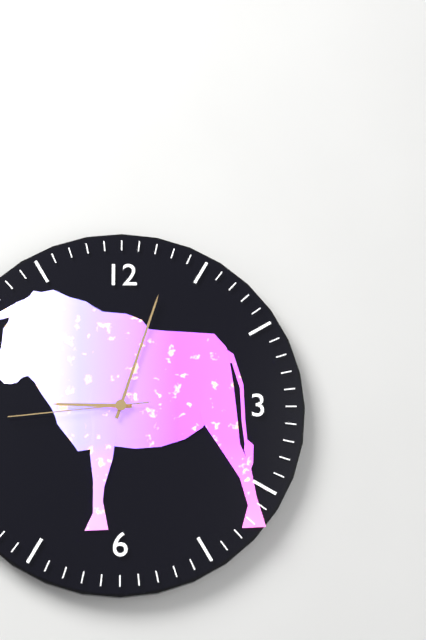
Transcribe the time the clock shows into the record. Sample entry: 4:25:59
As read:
9:03:44
